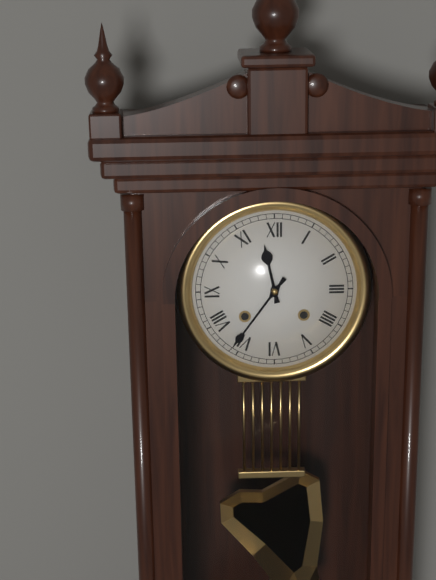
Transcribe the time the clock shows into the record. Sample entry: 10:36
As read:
11:36
